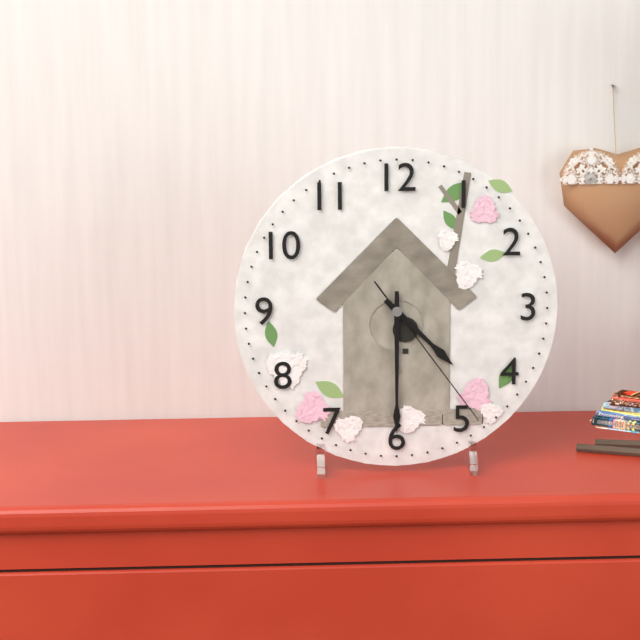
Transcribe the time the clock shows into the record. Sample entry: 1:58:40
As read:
4:30:24
